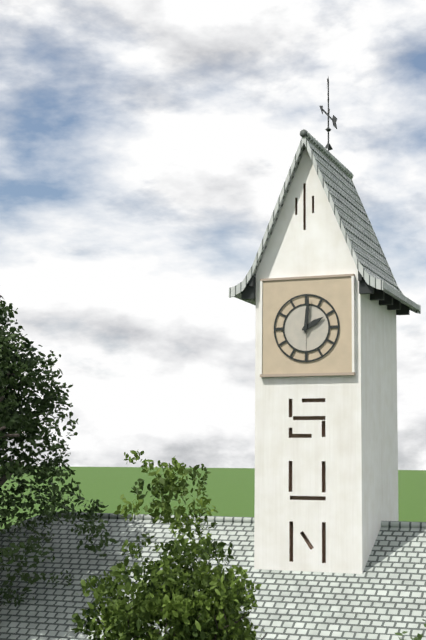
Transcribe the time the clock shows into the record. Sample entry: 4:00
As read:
2:01
